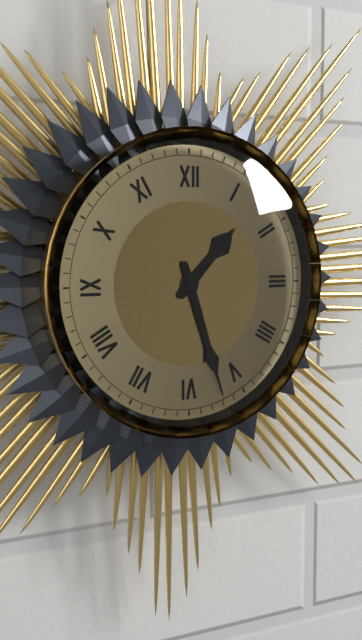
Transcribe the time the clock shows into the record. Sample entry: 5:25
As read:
1:27
